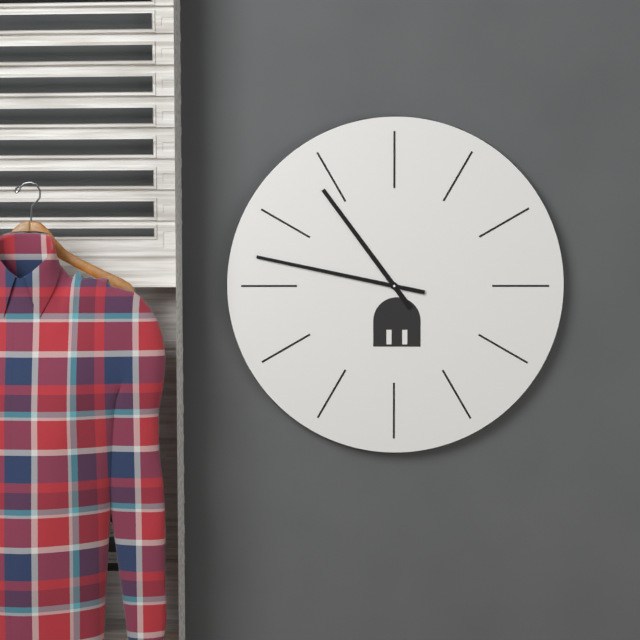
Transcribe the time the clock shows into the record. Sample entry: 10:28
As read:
10:47
